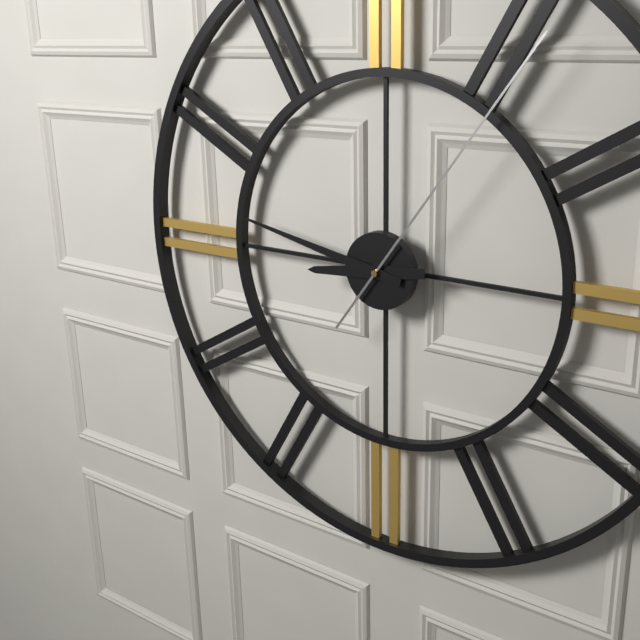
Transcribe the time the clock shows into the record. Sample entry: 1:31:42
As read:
8:47:06
